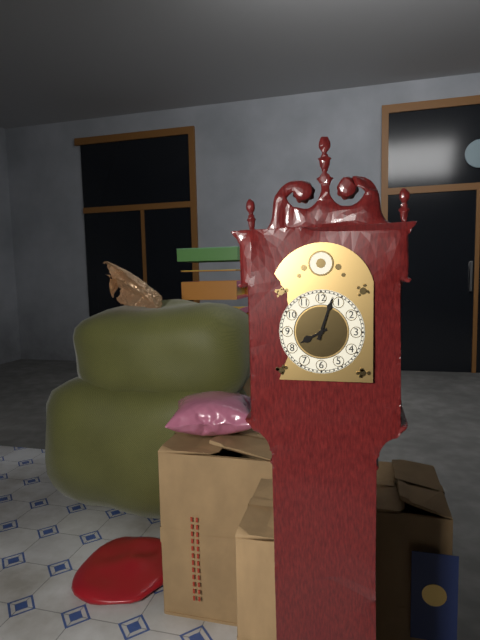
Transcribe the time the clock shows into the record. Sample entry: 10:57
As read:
8:03
